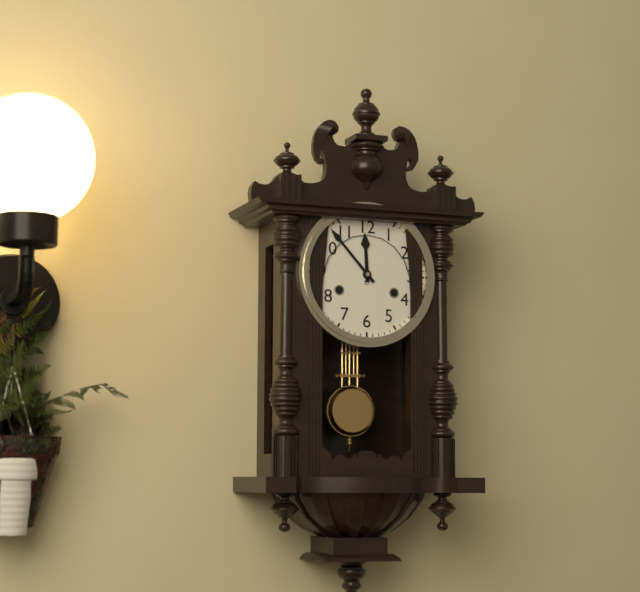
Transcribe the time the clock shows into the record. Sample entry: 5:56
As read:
11:53
